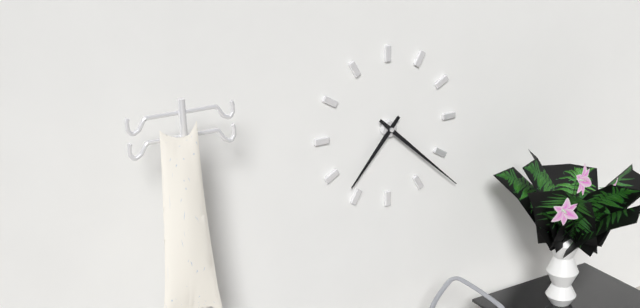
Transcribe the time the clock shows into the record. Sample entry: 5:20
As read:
7:22
